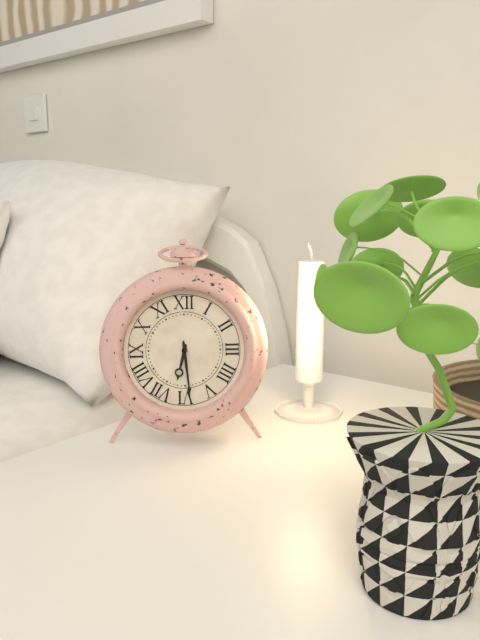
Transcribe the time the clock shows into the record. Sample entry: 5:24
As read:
6:29
